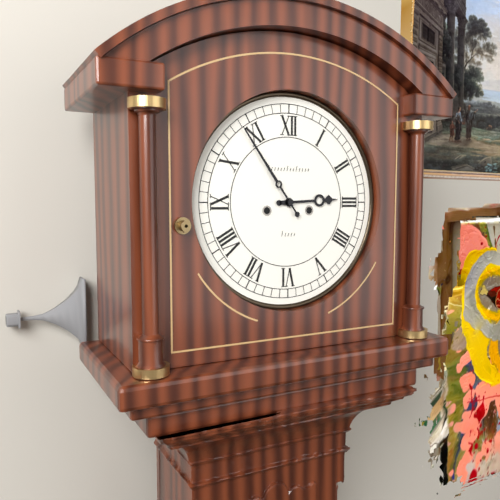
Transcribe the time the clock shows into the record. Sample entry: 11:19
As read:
2:54
